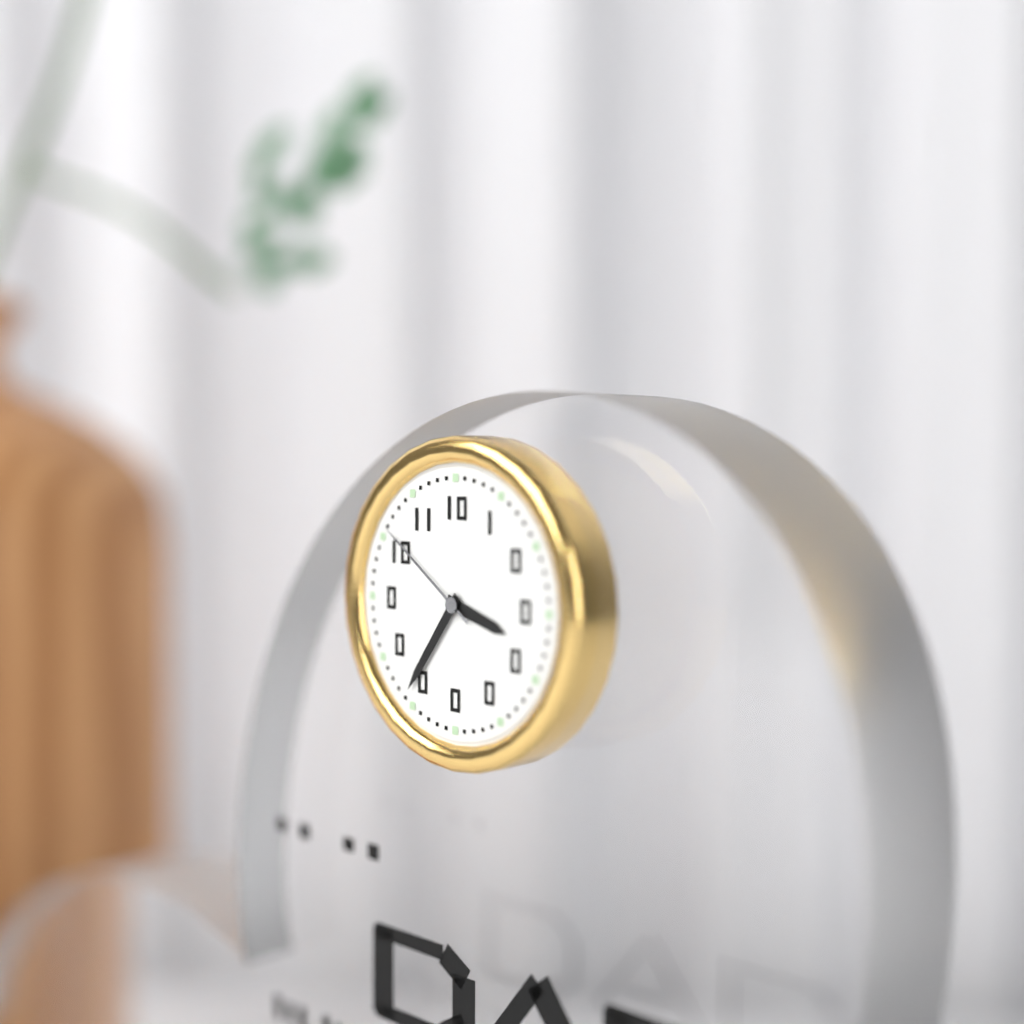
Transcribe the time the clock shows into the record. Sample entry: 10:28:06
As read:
3:36:51
